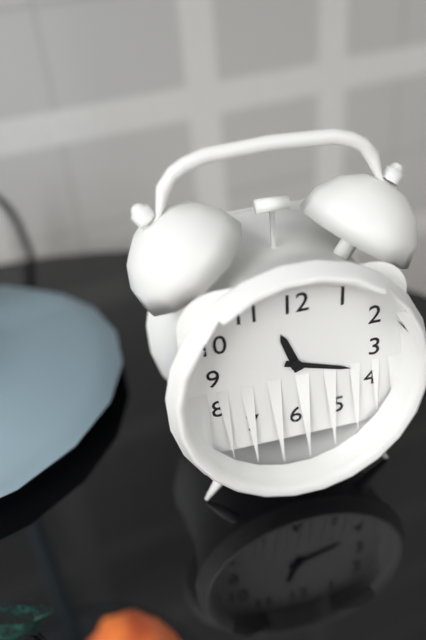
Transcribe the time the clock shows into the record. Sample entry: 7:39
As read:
11:18
